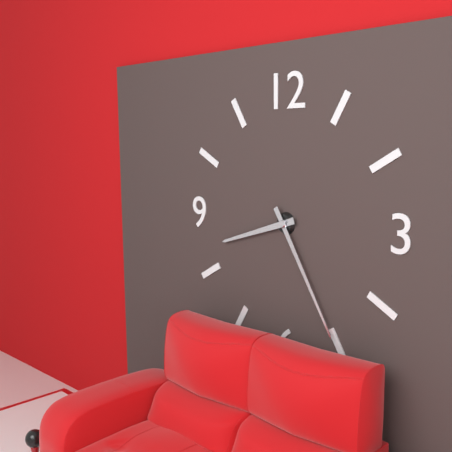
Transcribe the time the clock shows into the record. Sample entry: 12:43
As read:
8:25
